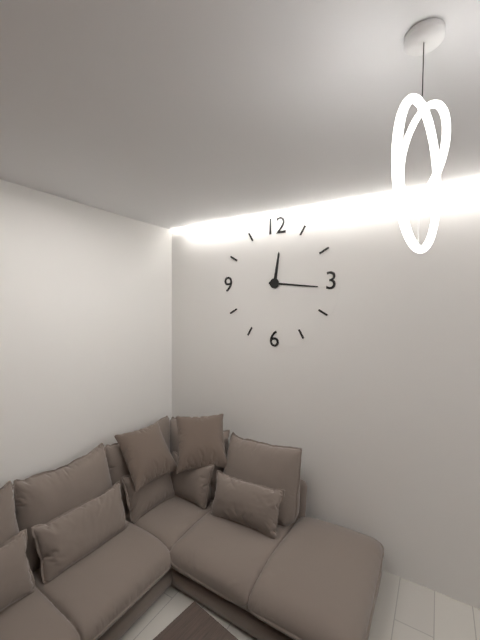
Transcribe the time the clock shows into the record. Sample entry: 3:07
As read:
12:16
